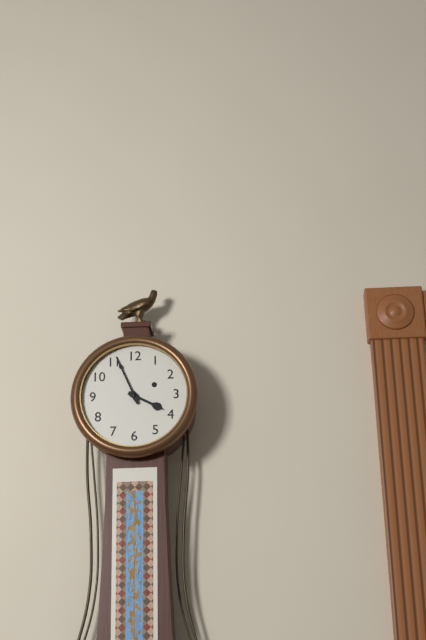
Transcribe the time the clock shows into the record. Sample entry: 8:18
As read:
3:56
